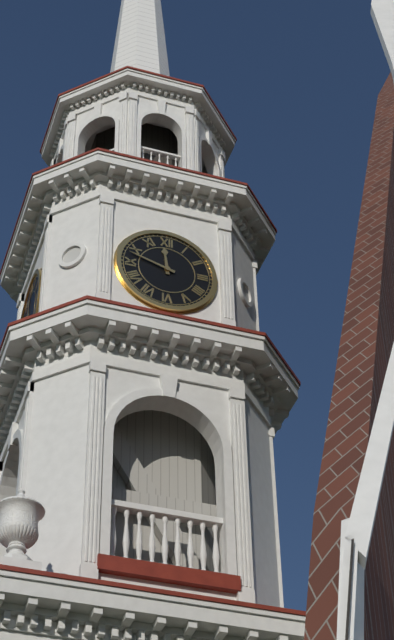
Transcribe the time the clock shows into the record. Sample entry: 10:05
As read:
11:48
